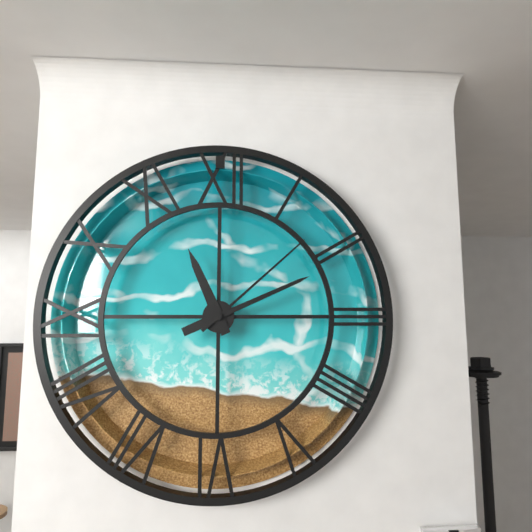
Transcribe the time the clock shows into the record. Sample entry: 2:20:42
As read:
11:11:08
